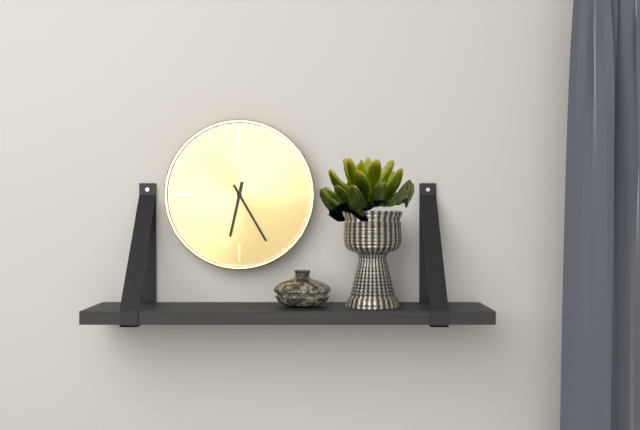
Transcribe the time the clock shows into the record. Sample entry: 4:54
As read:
6:25
